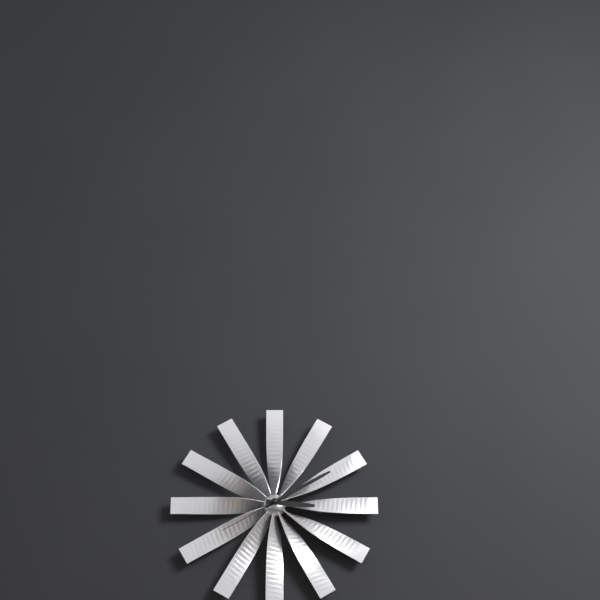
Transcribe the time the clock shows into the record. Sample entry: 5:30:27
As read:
3:10:40
